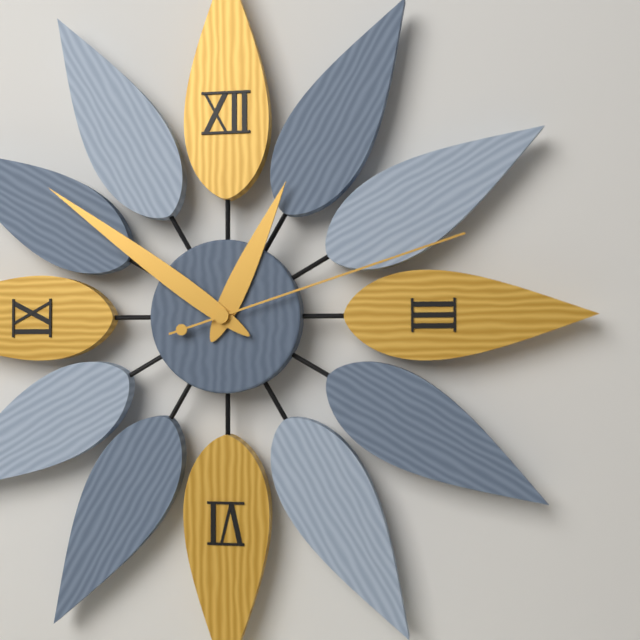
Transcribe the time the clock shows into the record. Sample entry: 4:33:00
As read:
12:51:12
